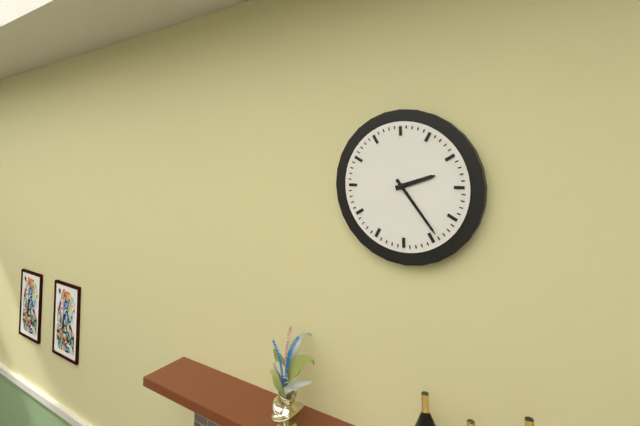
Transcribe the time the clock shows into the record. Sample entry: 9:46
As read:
2:24
